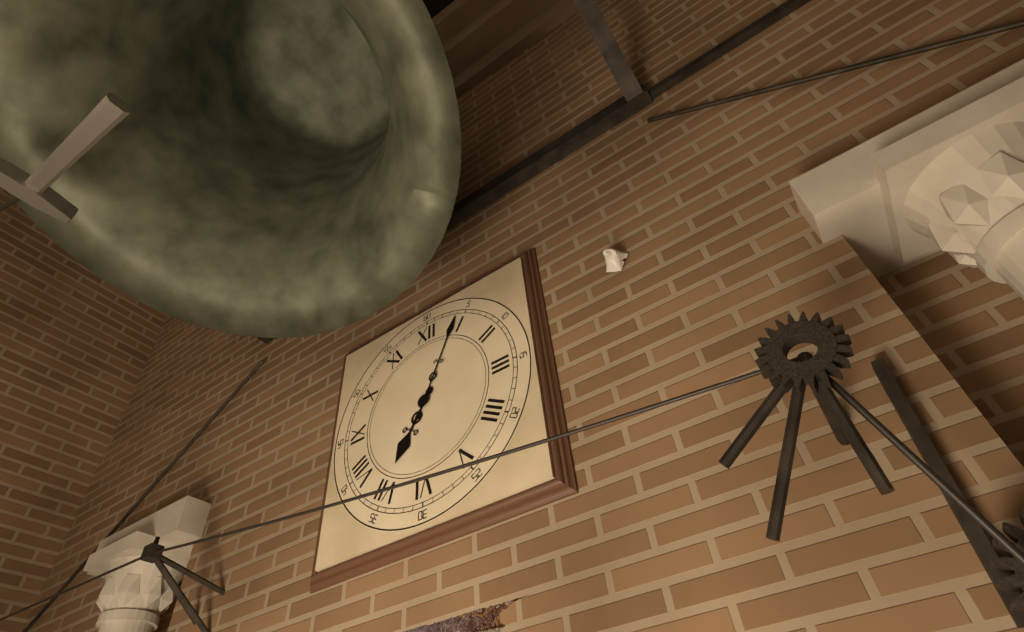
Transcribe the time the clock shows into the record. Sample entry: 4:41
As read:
7:04
